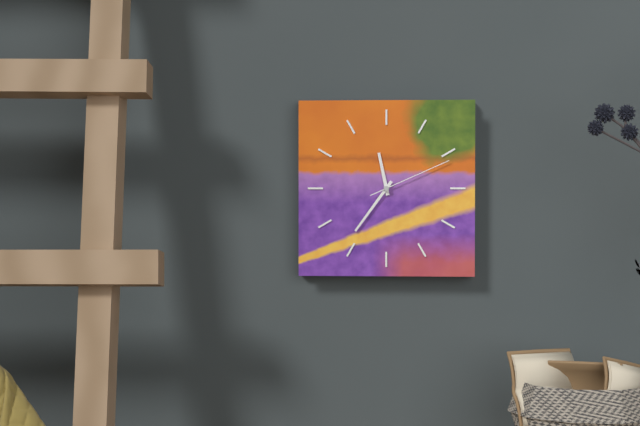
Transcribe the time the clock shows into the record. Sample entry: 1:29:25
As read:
11:36:11
